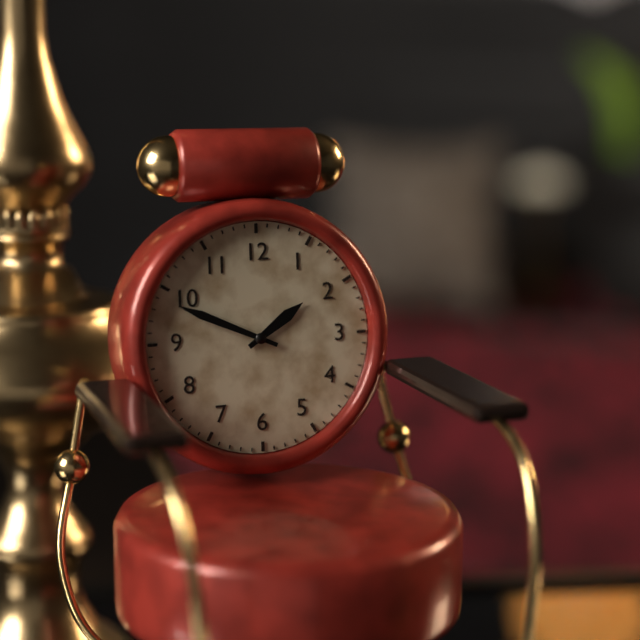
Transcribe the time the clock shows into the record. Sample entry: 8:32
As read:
1:49
